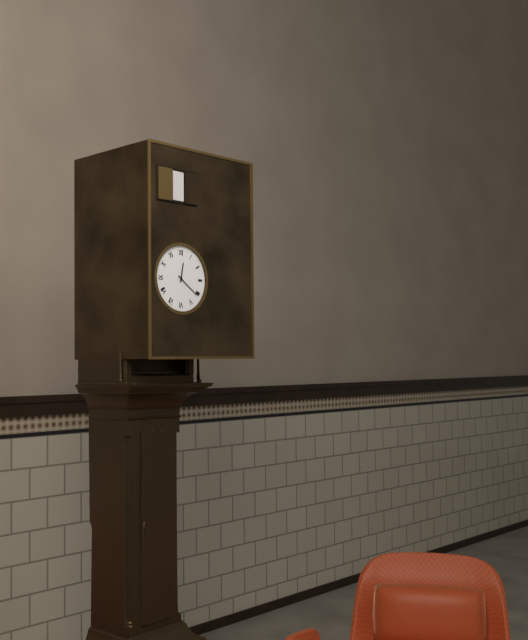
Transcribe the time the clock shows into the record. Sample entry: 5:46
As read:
12:21
